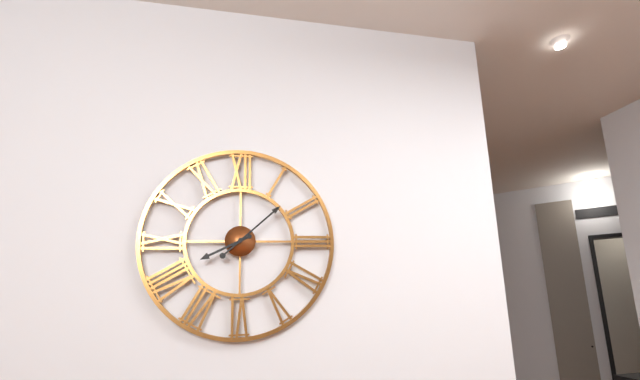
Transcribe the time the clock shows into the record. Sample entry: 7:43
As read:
8:08
